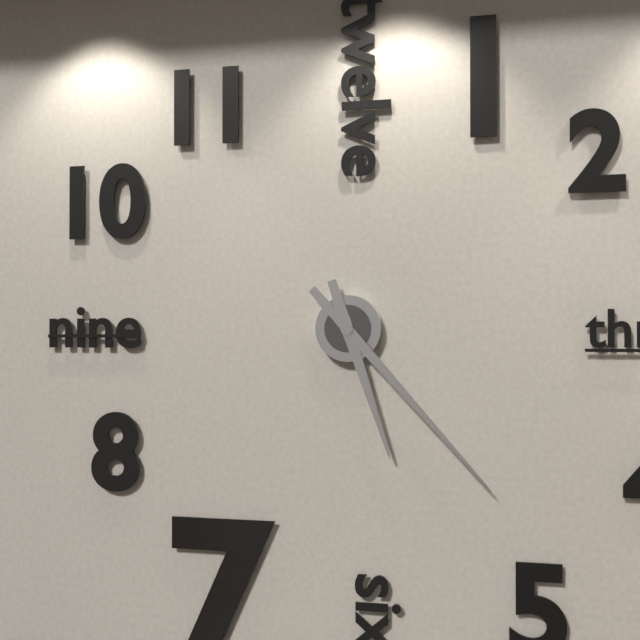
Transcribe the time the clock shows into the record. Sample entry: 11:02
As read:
5:23
